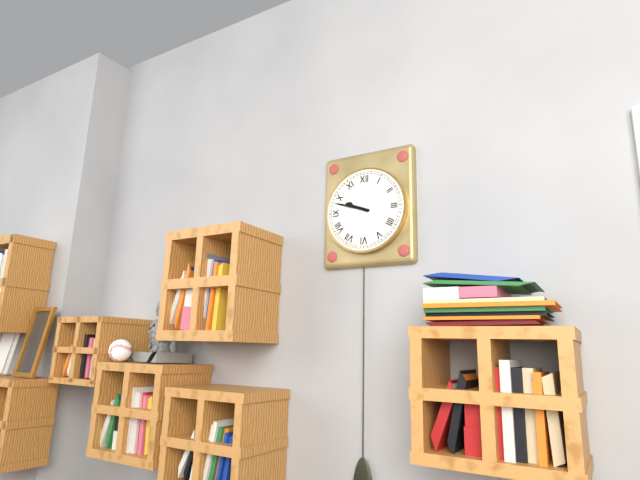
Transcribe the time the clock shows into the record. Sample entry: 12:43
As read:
9:48
